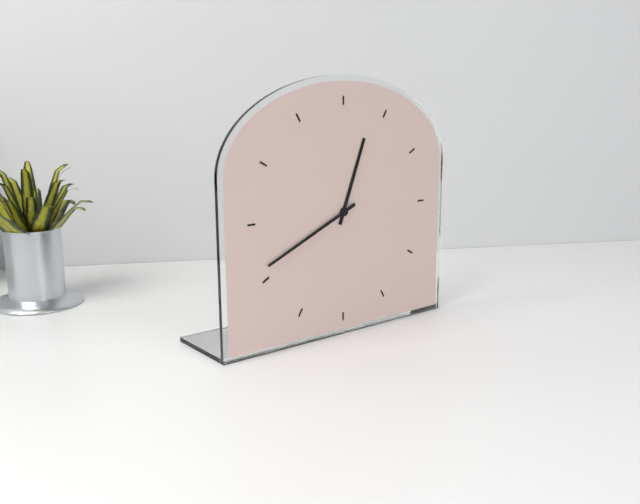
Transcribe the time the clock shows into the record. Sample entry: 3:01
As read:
12:41
